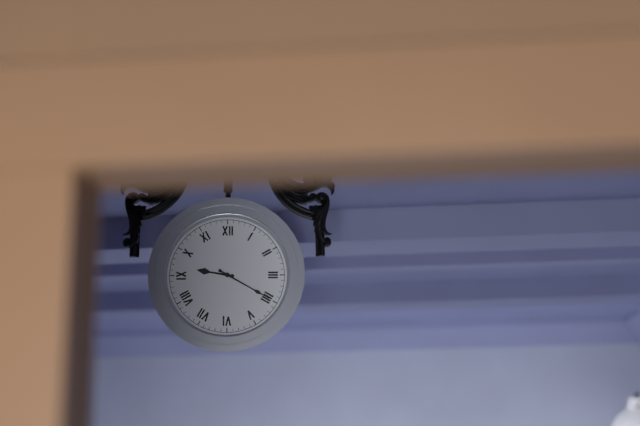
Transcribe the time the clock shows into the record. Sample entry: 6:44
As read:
9:20
